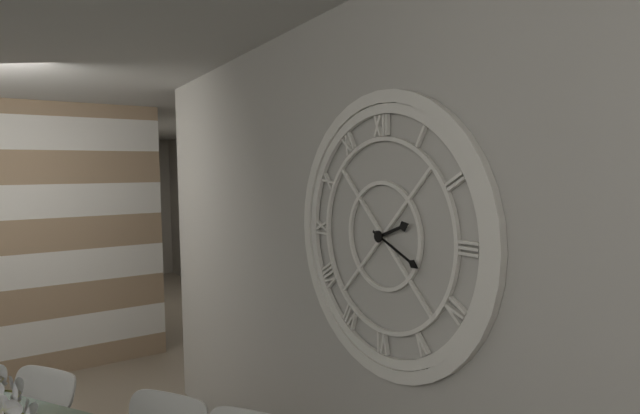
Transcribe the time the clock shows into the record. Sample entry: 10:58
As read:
2:19
